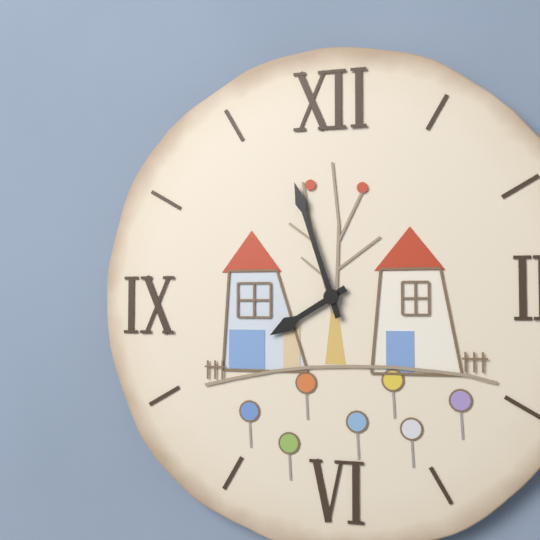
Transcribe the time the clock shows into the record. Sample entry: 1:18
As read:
7:57
